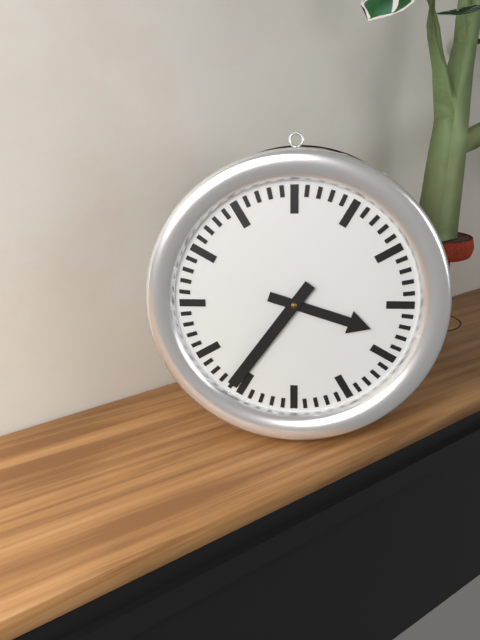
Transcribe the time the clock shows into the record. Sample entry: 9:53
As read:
3:36
